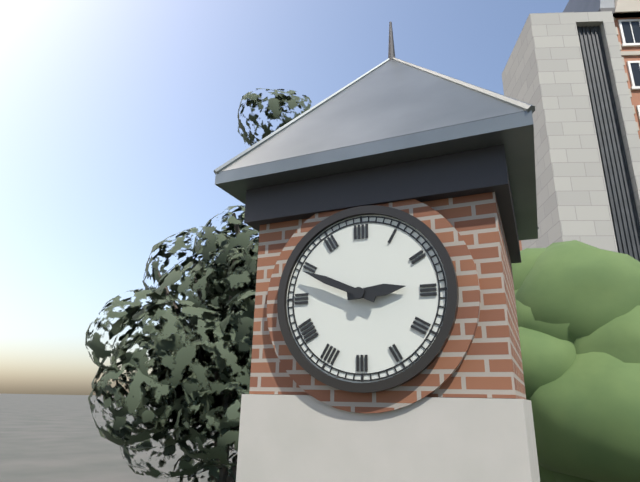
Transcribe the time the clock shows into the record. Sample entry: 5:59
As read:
2:49
